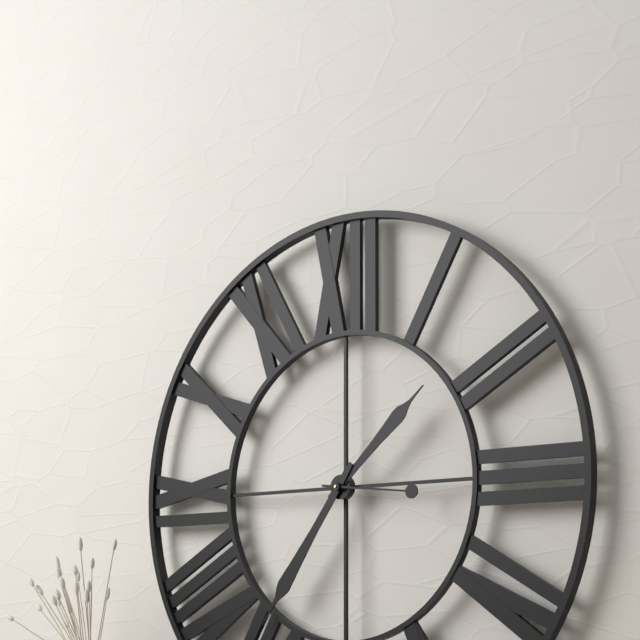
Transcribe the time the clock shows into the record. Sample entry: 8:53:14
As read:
1:36:16
